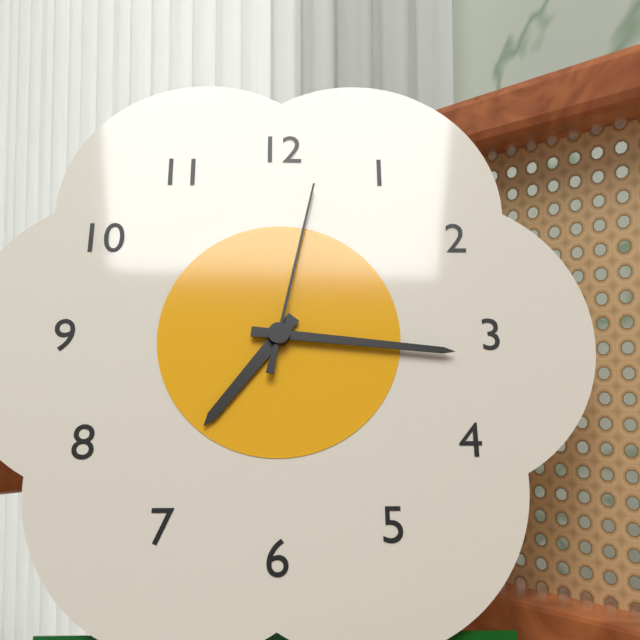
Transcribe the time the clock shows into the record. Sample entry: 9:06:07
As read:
7:16:02
